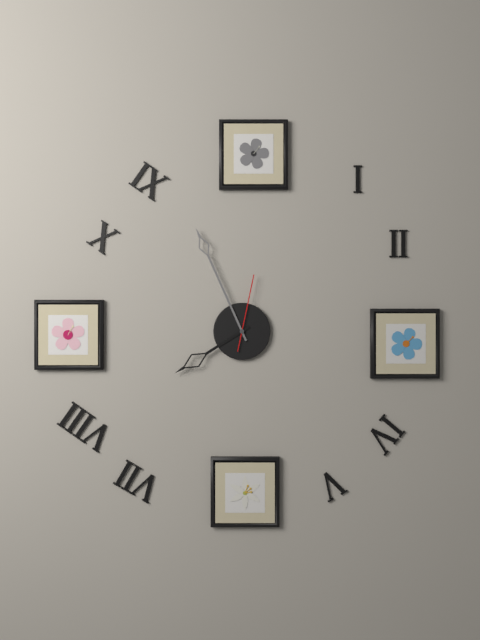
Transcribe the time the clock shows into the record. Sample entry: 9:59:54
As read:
7:56:02
